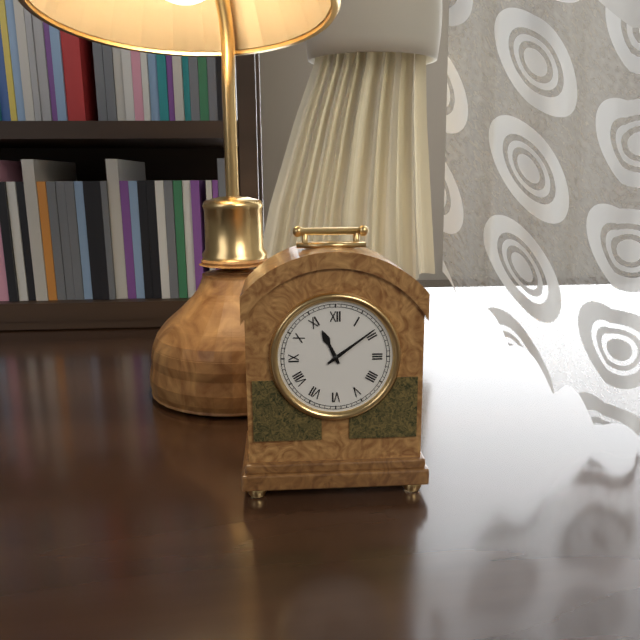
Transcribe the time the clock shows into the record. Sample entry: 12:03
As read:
11:09
